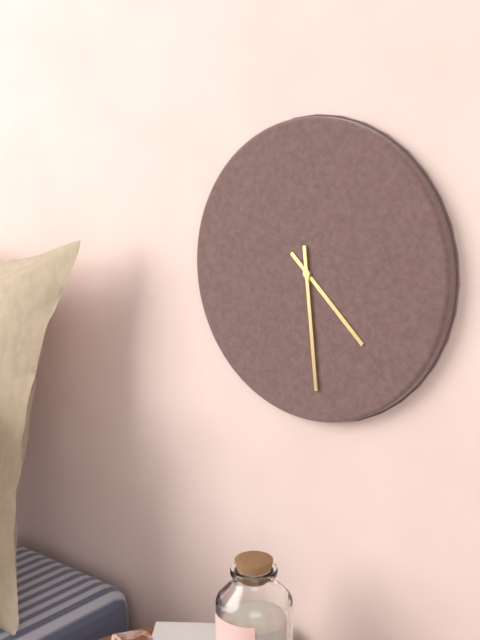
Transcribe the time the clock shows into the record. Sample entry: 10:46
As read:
4:29
